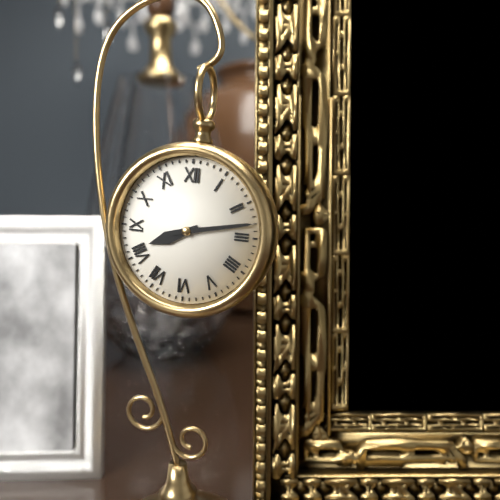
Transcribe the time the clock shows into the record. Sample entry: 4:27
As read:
8:13
